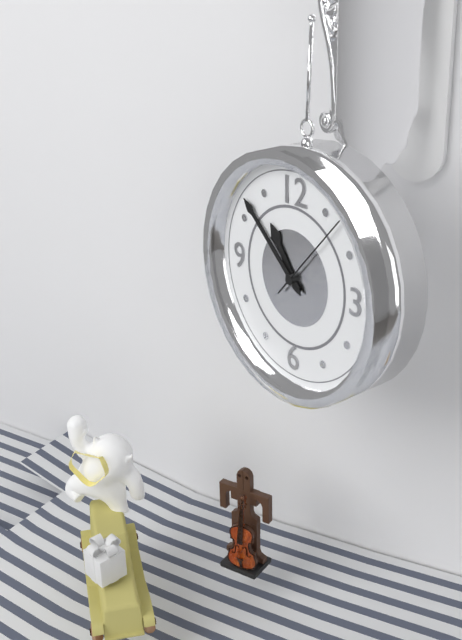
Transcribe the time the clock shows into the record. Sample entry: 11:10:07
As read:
10:52:07
